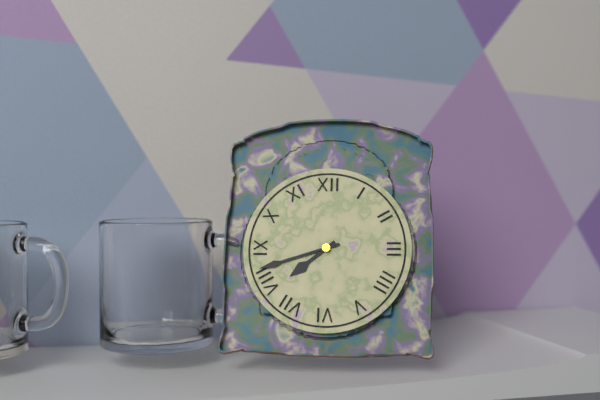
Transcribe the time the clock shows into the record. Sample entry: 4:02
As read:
7:42
